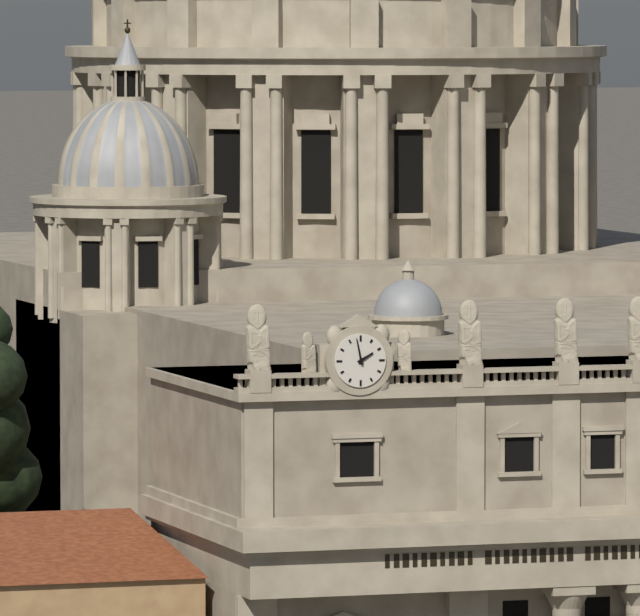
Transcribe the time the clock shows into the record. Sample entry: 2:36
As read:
1:58
